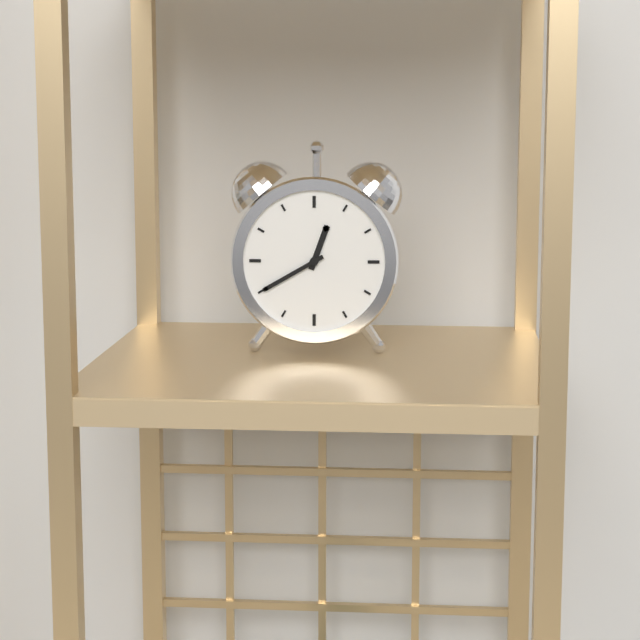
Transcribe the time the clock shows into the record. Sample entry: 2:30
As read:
12:40
